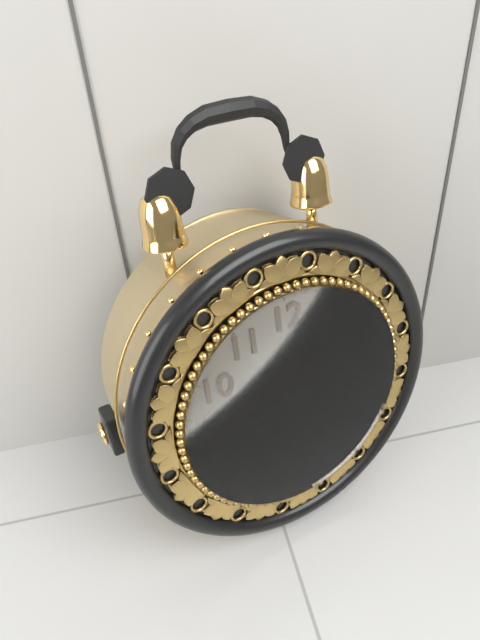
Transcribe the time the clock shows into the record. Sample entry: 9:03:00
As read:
3:26:13
